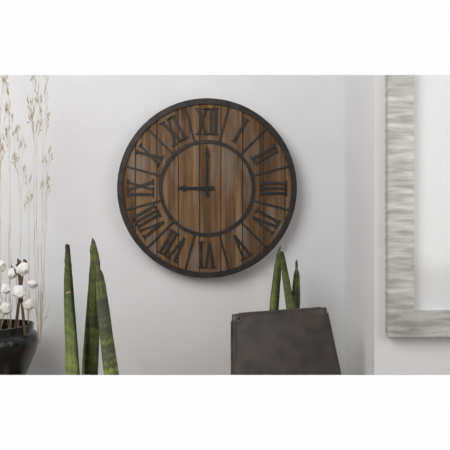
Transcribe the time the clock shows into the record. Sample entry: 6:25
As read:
9:00
